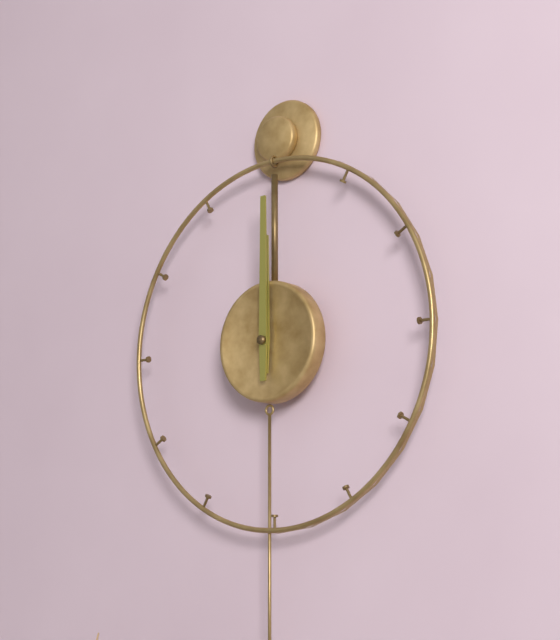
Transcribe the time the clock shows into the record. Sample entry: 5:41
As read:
12:00
